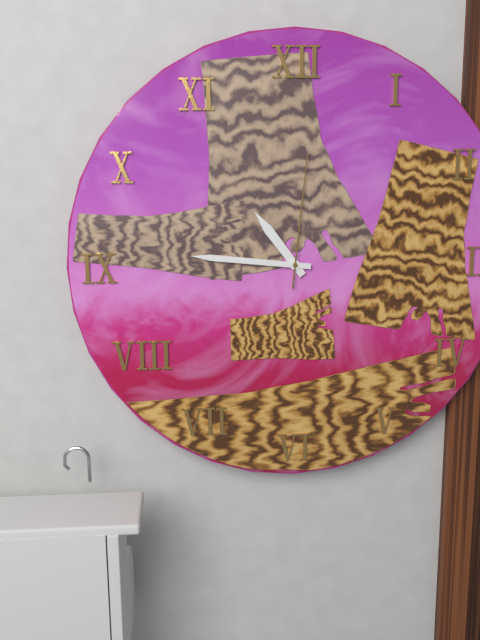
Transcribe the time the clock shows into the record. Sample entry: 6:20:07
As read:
10:46:01
